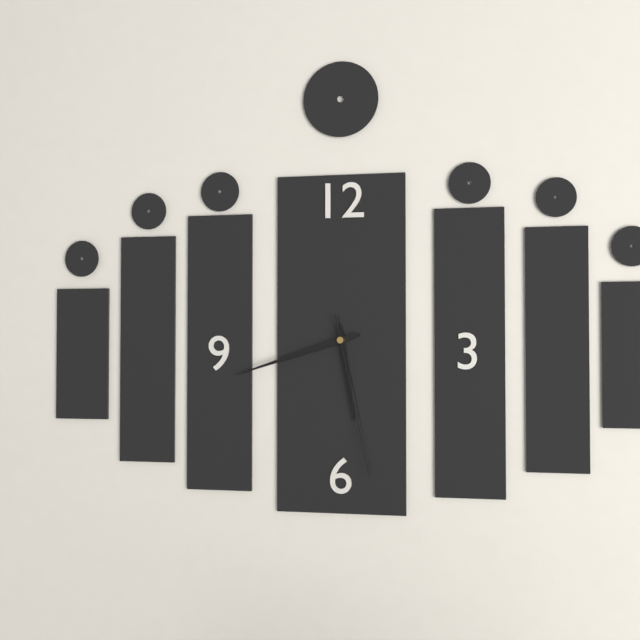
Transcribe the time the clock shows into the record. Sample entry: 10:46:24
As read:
5:42:28
